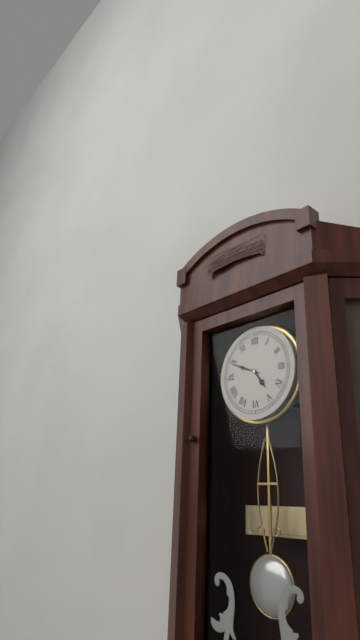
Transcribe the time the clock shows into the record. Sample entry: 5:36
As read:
4:49
